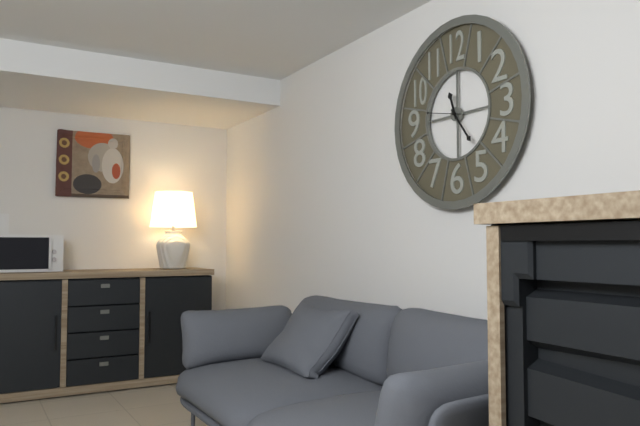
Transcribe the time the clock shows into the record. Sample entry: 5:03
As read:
11:24
